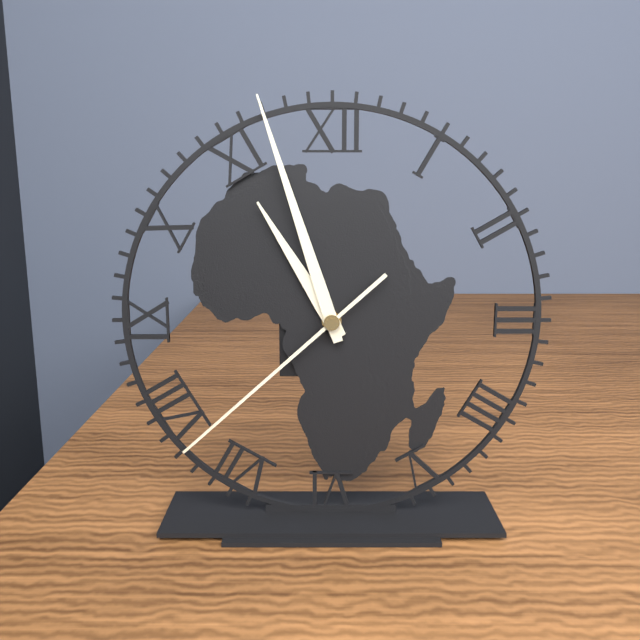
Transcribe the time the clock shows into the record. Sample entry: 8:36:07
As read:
10:57:38
